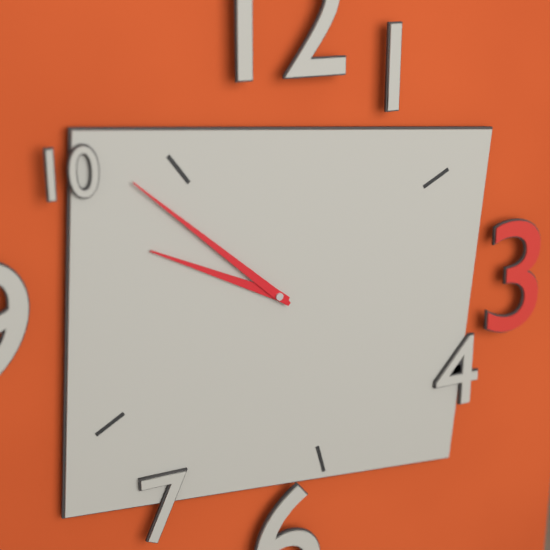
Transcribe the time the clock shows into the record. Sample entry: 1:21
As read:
9:52
